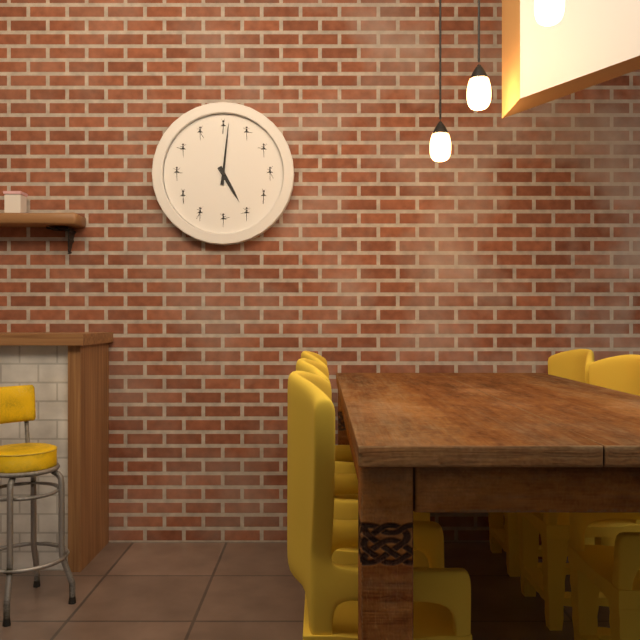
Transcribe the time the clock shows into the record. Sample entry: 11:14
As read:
5:01
